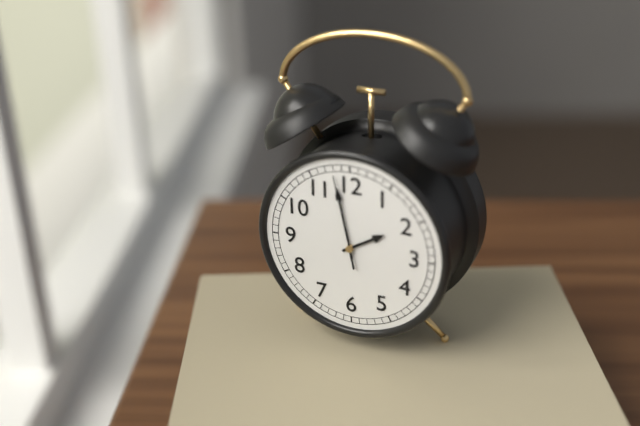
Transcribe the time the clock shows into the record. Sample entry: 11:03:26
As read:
1:58:58
